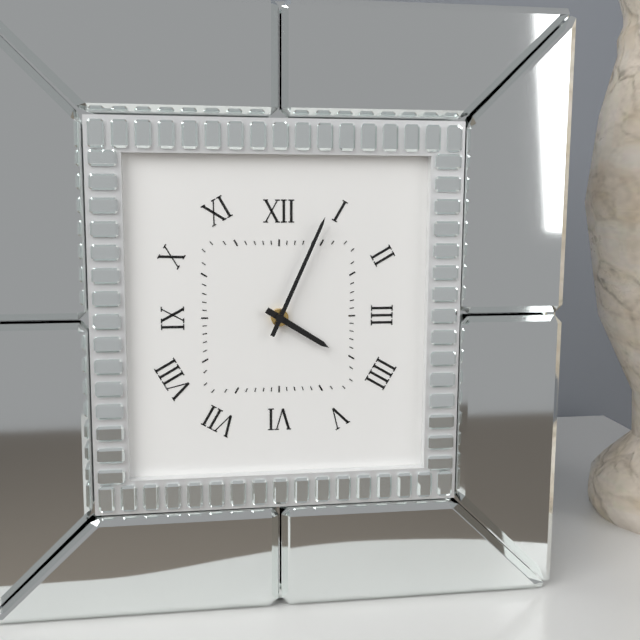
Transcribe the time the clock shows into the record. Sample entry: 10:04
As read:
4:04
